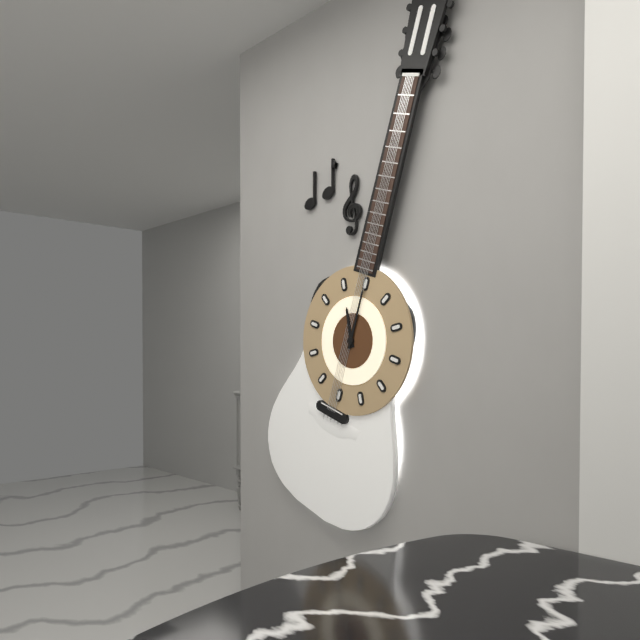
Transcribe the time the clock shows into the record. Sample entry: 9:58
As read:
11:00
